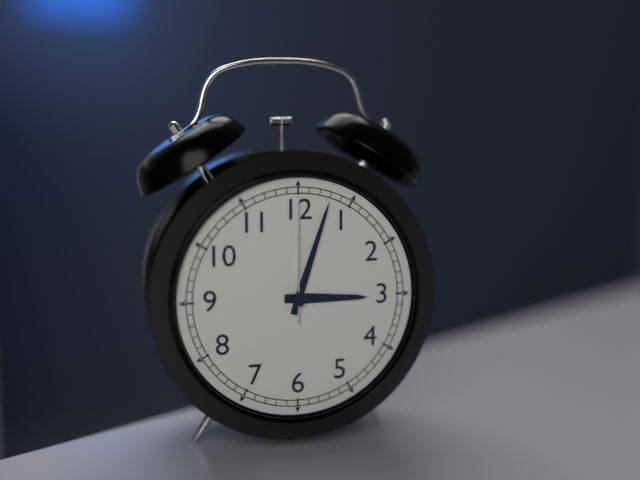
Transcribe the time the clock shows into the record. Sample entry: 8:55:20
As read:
3:03:00
